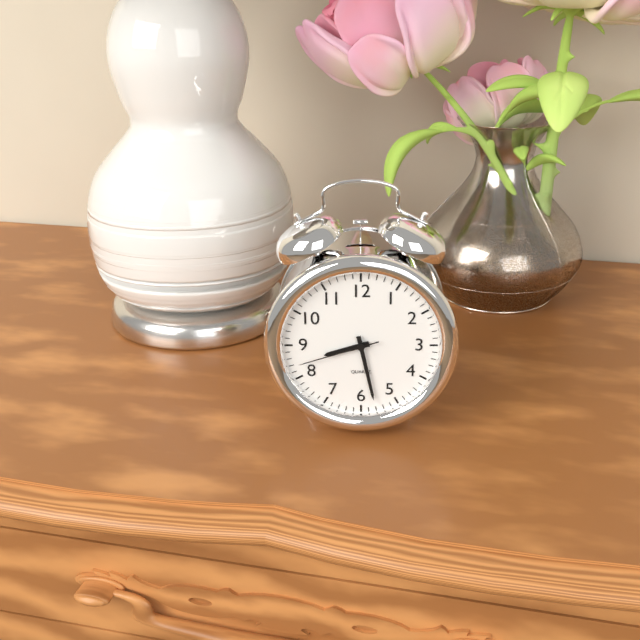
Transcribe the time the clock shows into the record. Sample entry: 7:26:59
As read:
8:28:42
